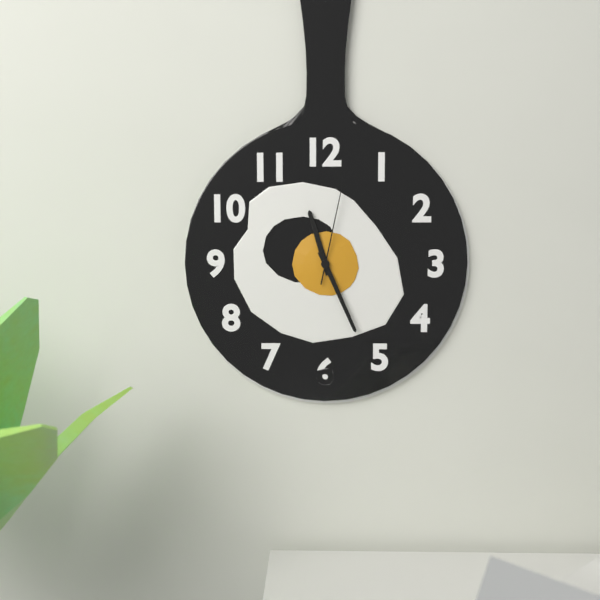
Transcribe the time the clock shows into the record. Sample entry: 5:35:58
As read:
11:26:02
